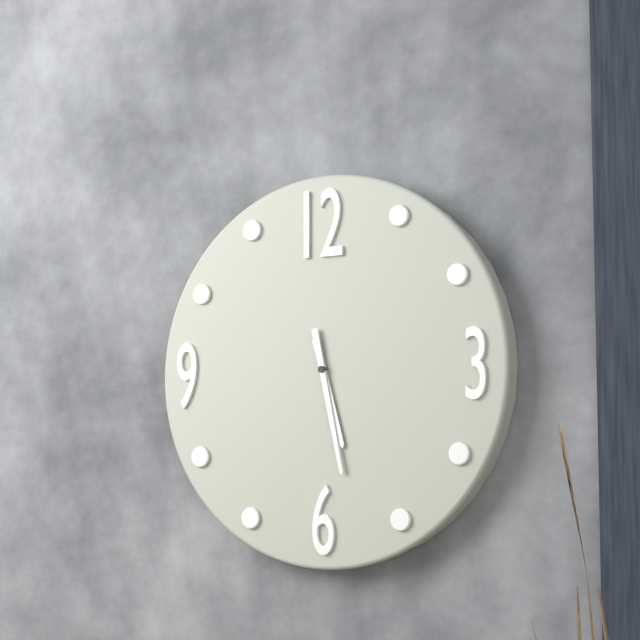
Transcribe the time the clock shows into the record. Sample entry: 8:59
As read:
5:28
